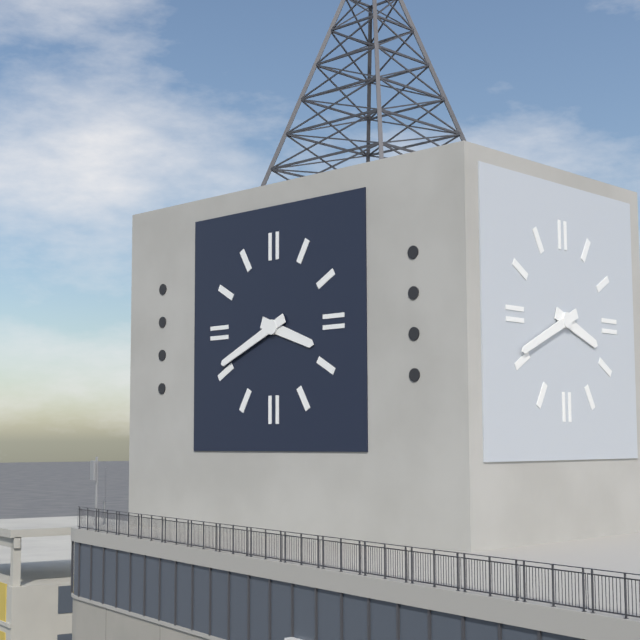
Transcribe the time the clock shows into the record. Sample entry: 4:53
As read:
3:41
